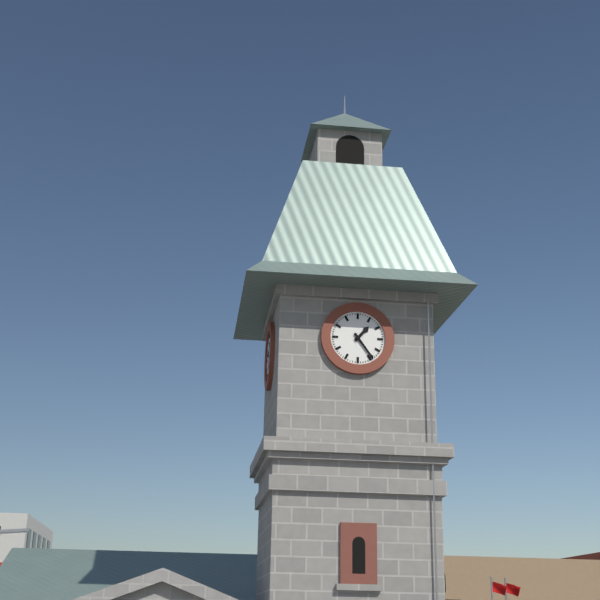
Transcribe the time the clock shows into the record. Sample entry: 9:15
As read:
1:24
